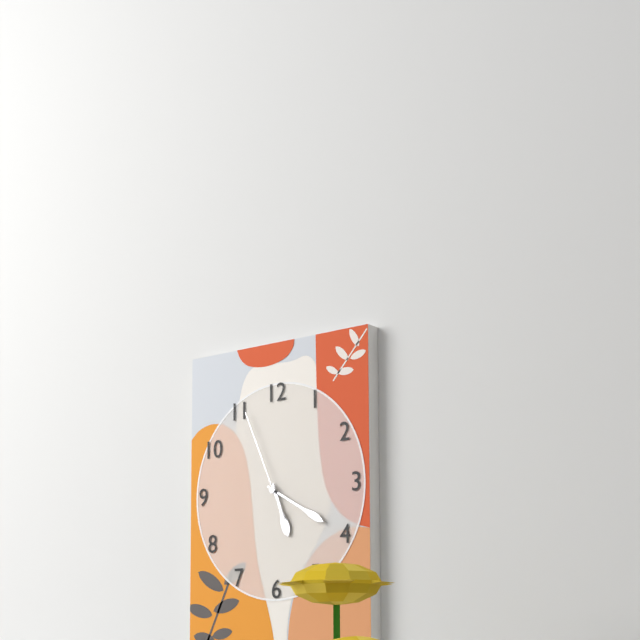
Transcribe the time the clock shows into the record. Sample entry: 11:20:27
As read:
5:20:56
